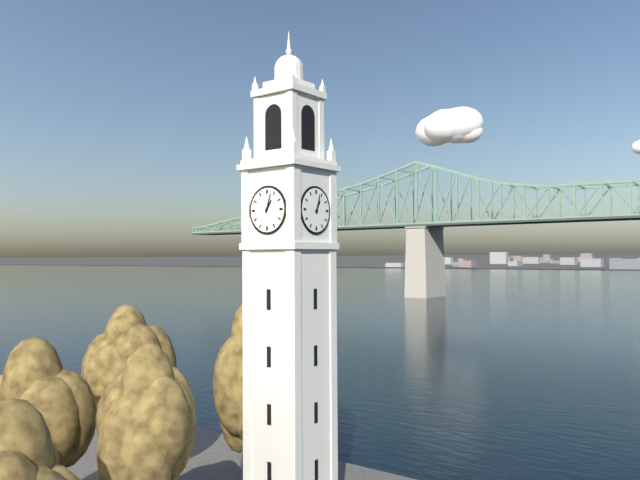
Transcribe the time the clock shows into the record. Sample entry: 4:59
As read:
1:03
